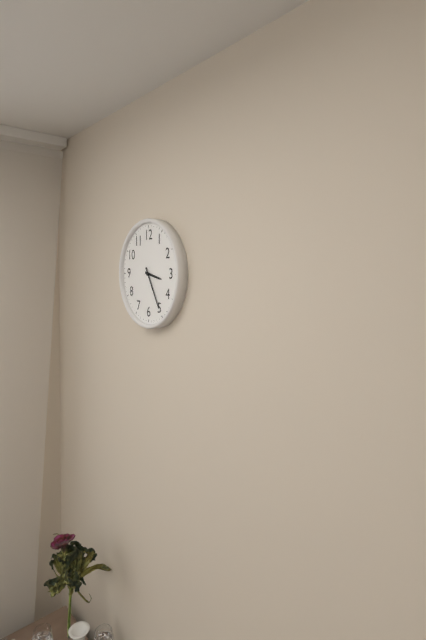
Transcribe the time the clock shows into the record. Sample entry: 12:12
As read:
3:25
